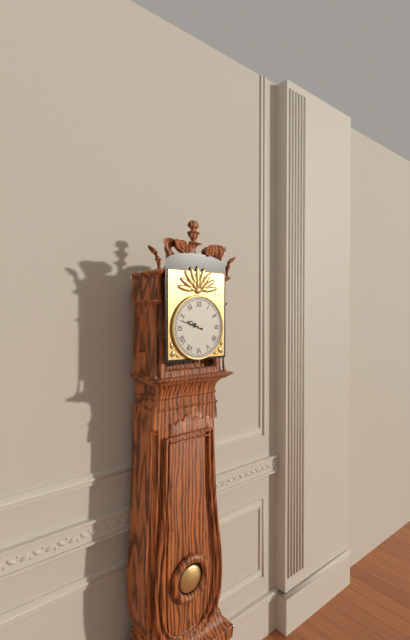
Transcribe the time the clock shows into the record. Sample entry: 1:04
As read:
9:48
